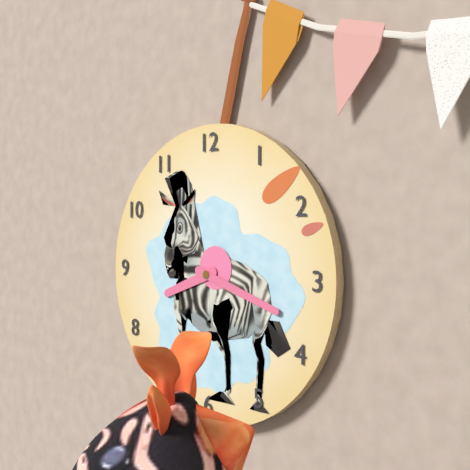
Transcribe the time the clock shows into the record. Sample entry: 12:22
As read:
8:18
